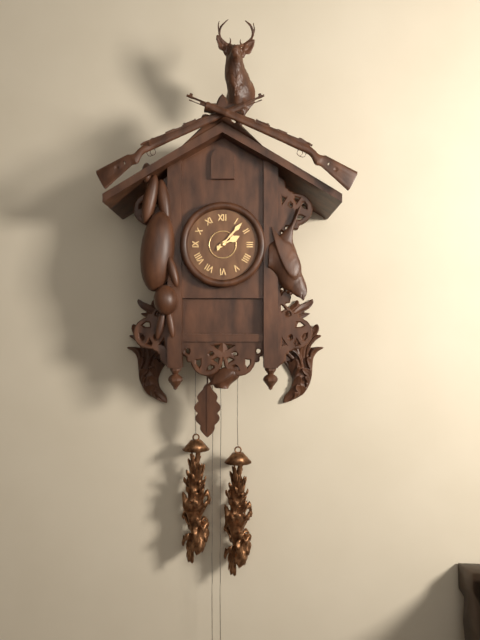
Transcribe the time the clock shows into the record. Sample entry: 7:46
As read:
2:07
